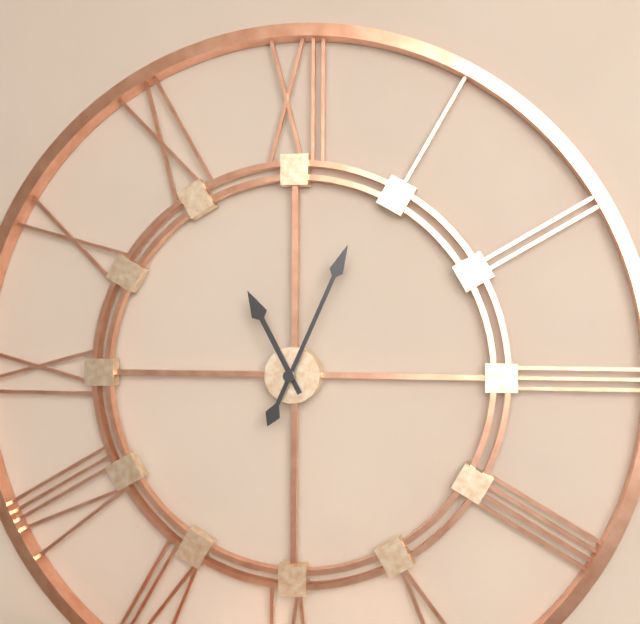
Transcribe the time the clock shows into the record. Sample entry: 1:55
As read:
11:04
